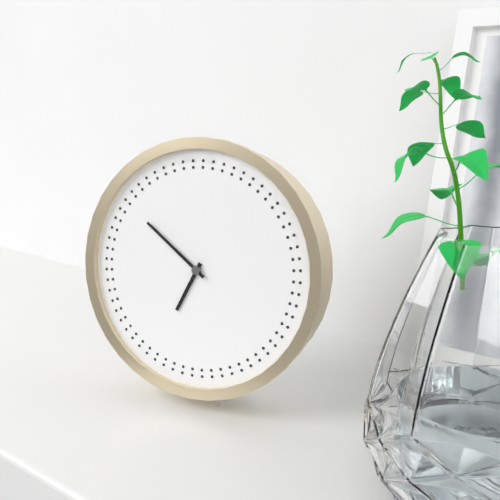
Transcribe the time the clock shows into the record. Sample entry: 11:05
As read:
6:51
